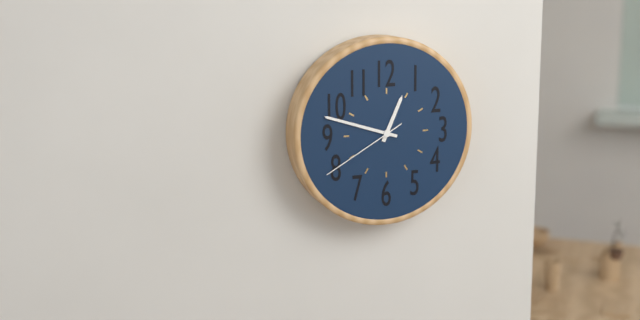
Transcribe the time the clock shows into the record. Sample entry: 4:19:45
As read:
12:48:40
